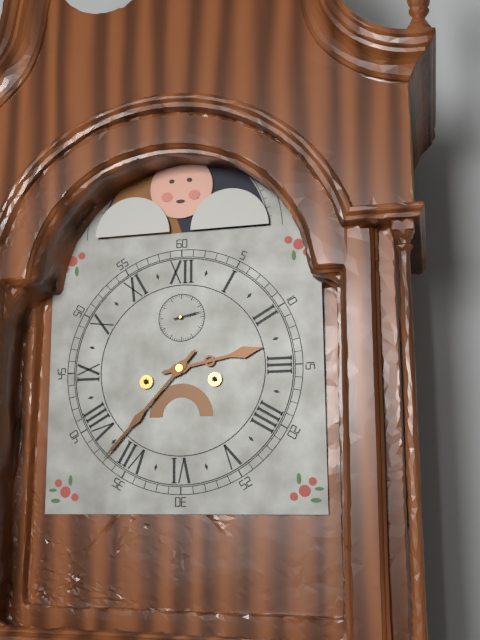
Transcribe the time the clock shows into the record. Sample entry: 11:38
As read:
2:37
